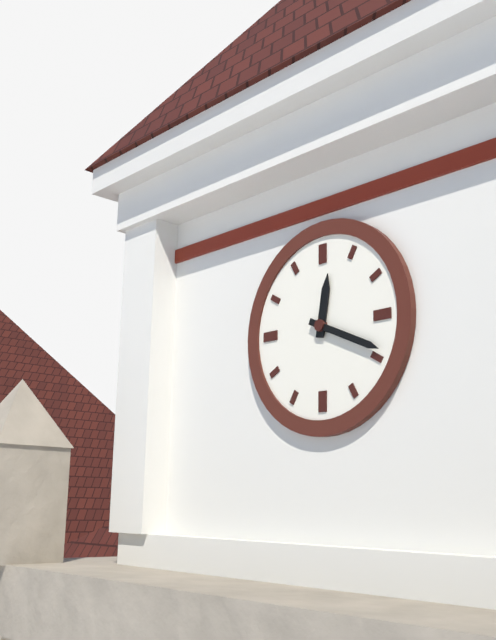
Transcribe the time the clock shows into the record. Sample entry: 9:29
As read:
12:19
